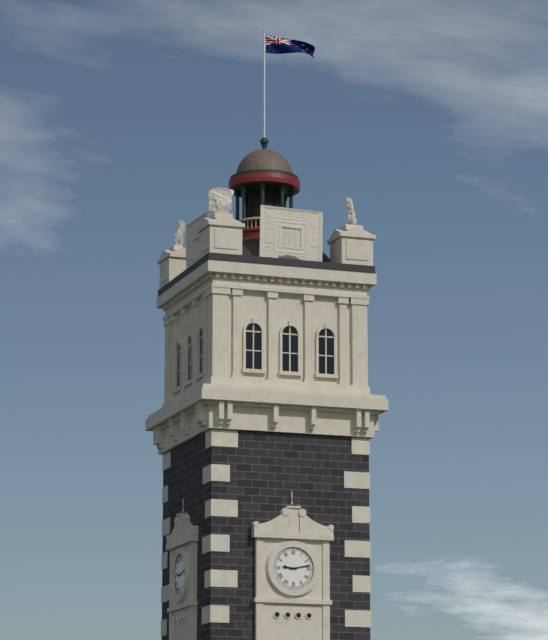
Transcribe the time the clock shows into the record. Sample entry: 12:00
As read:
9:13
